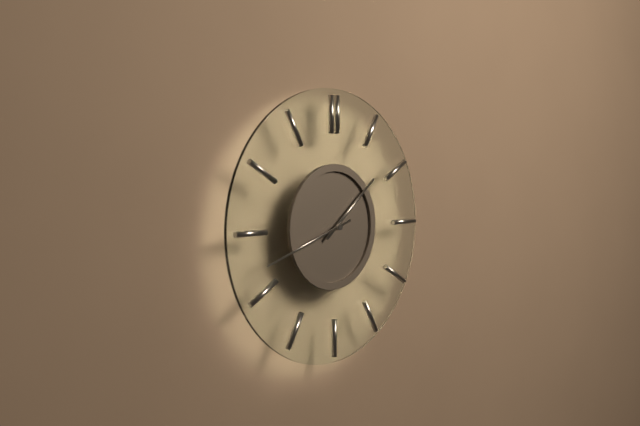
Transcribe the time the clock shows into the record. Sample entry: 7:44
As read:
1:42
